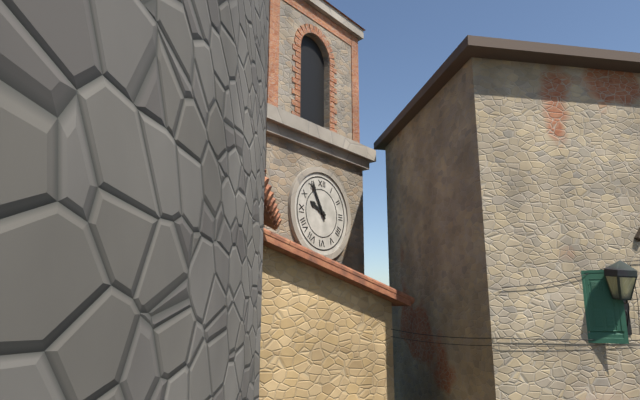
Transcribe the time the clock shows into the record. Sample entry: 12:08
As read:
9:55
